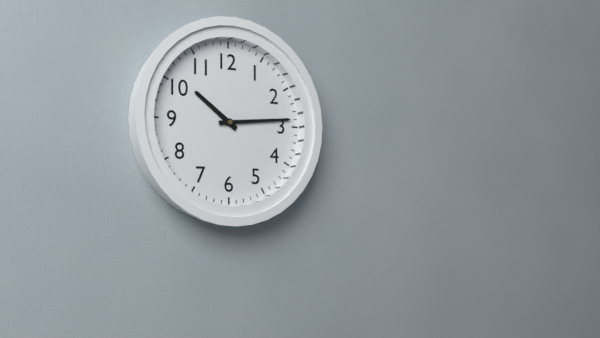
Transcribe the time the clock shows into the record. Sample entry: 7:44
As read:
10:14
